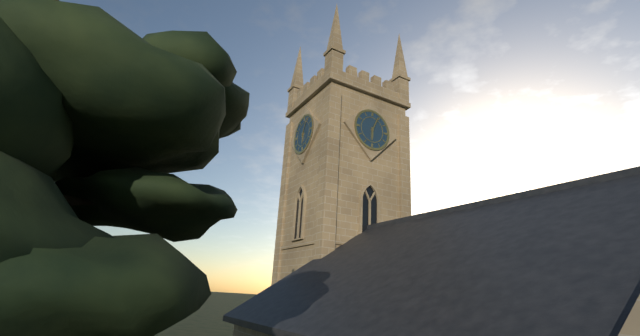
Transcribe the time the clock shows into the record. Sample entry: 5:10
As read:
6:04
